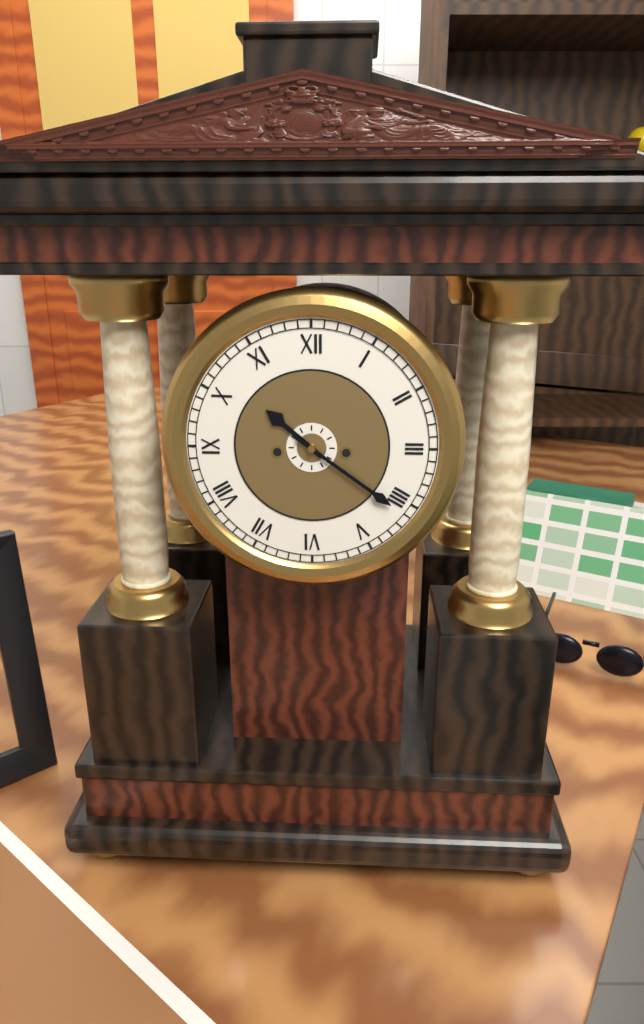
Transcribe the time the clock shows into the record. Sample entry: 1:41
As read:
10:21
